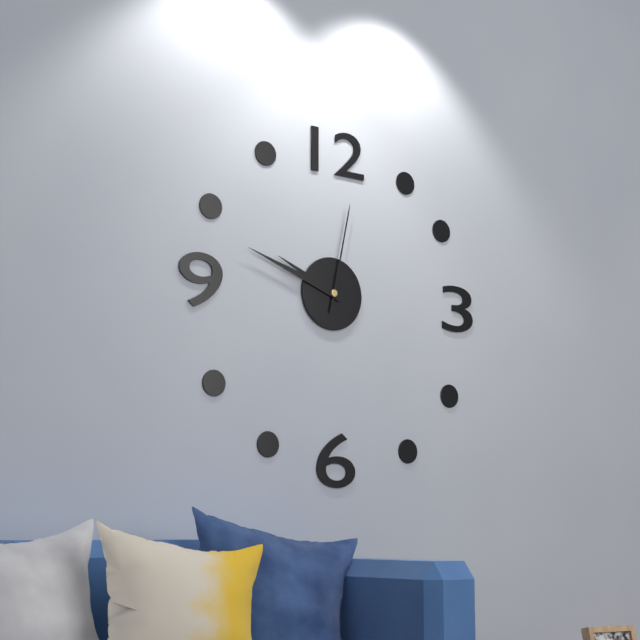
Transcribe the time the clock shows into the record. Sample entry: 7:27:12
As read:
9:48:02
